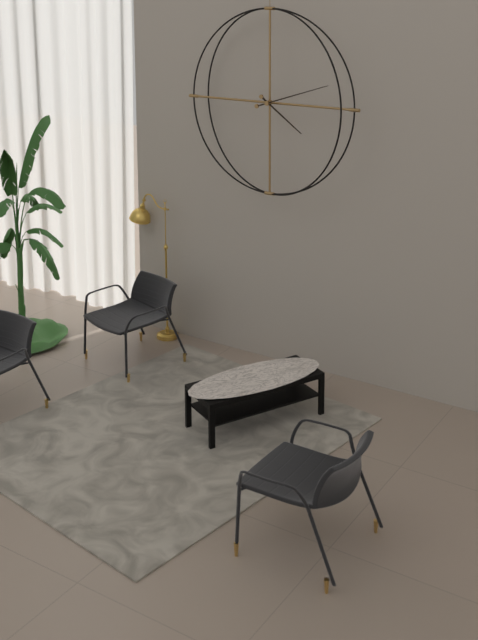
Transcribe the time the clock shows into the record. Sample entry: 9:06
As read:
4:12
